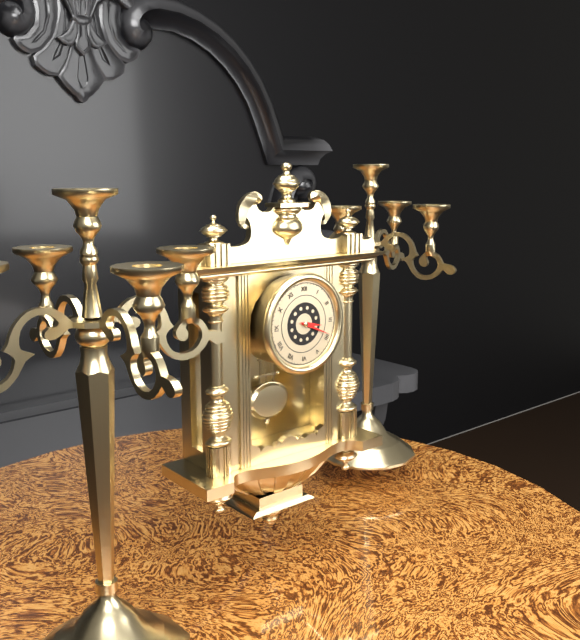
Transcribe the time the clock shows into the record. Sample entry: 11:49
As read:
3:19
